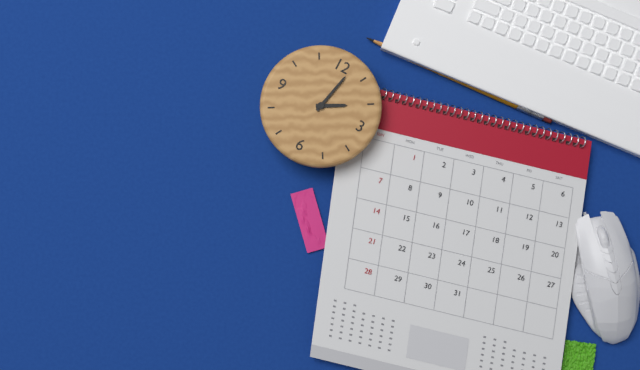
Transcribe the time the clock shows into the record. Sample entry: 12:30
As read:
2:02
